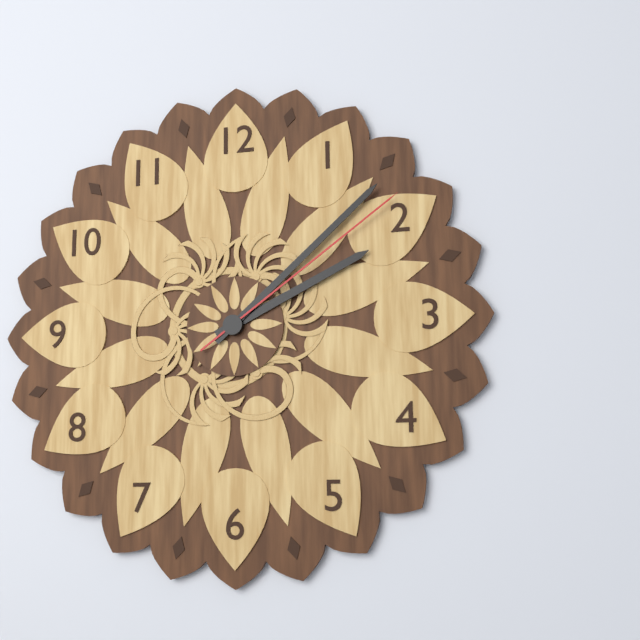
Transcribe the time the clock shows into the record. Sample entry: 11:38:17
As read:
2:08:09
